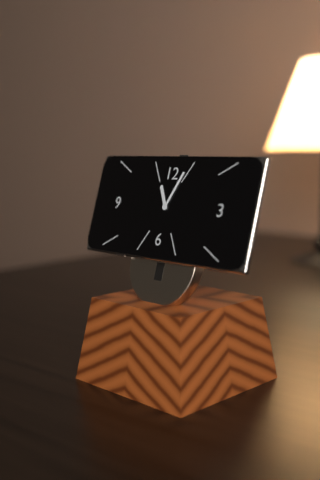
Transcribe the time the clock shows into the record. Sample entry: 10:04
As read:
11:04
